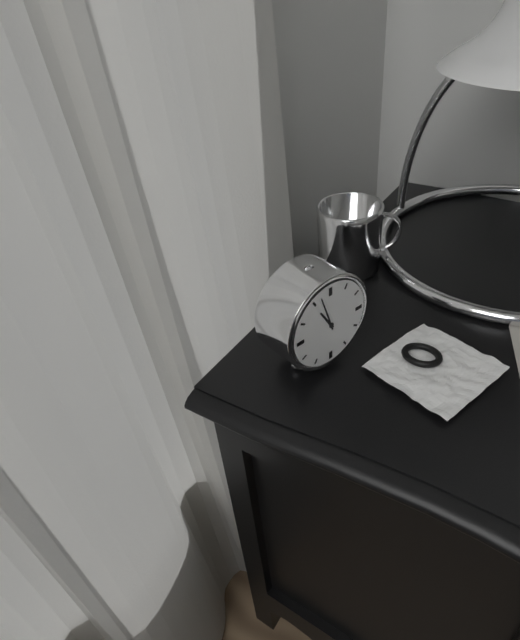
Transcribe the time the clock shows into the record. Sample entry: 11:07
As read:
10:57
